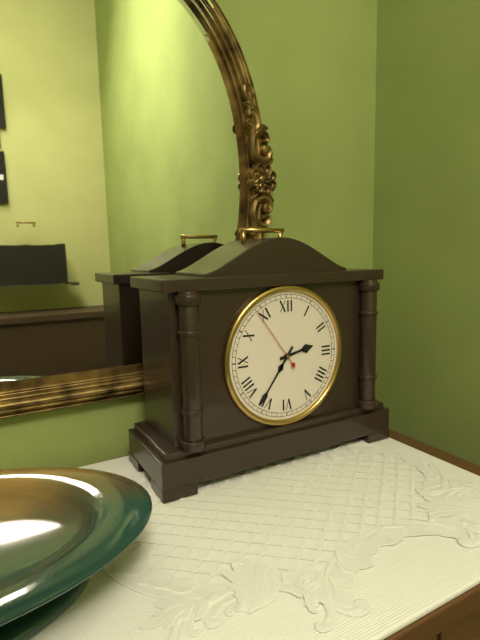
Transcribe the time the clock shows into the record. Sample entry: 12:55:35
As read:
2:36:54
